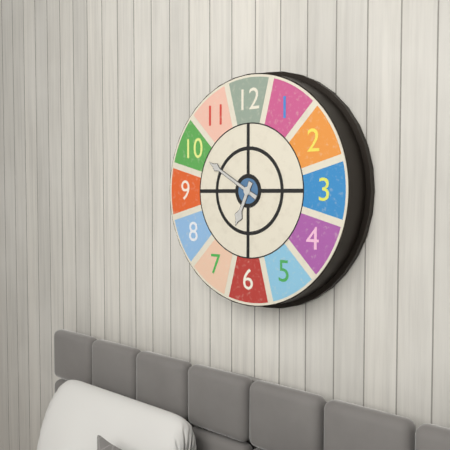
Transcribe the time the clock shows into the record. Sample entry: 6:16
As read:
6:50
